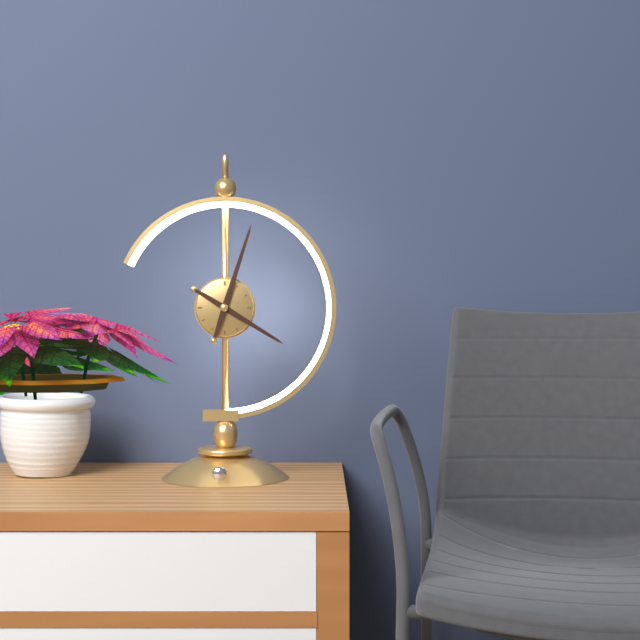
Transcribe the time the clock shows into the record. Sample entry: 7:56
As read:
4:03
